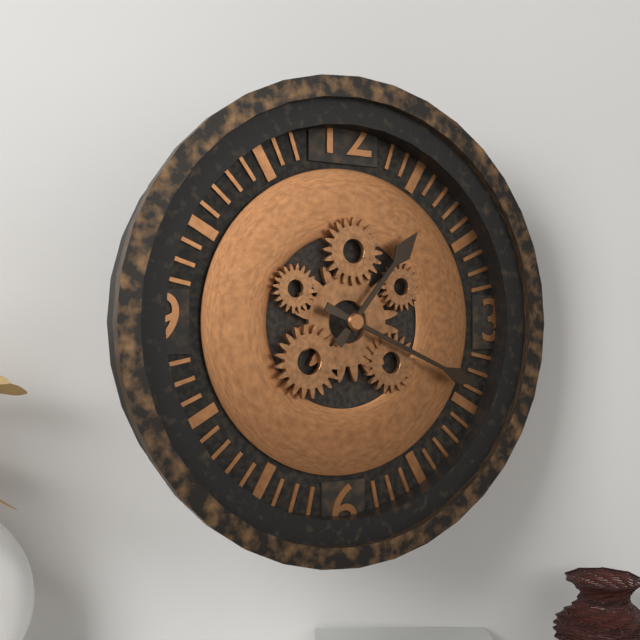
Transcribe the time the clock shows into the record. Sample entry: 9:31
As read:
1:19
